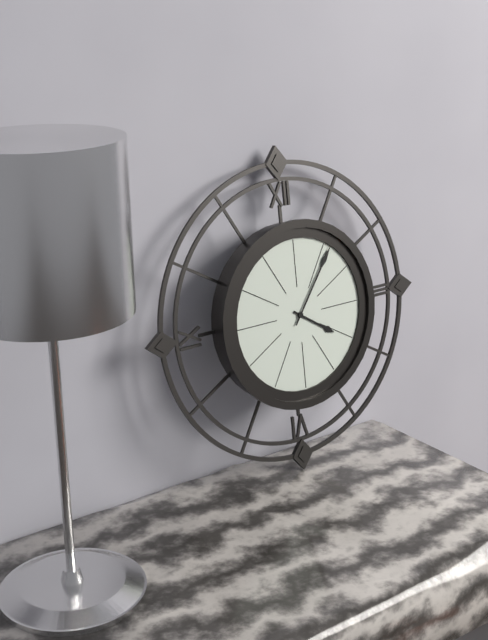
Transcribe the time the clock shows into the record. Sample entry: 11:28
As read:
4:06
